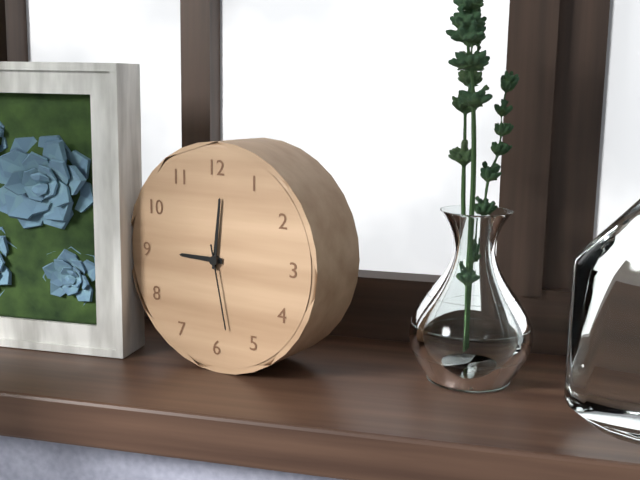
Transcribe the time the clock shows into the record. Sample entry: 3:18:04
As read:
9:01:28
